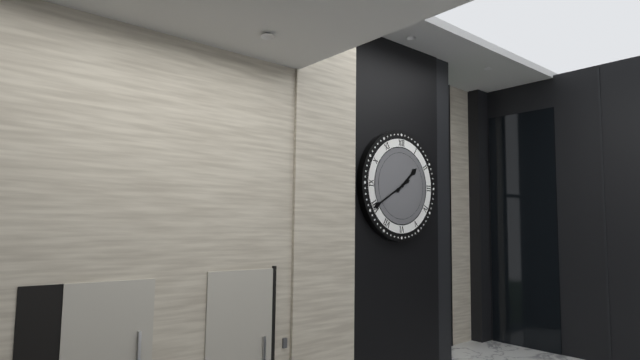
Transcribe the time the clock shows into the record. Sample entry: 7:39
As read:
1:40
